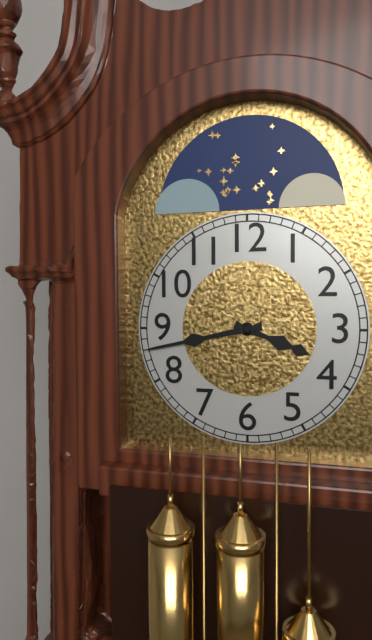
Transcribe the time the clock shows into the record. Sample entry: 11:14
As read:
3:43
